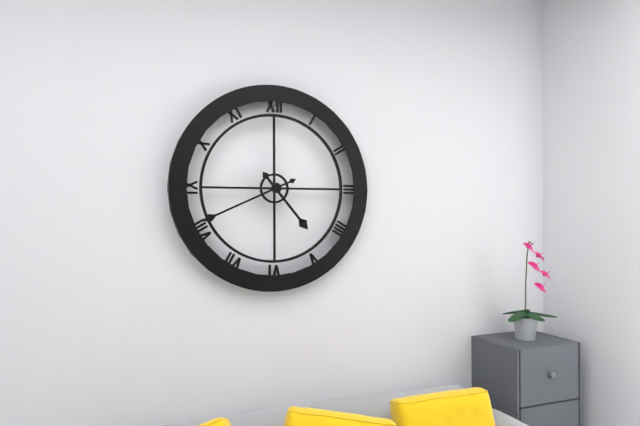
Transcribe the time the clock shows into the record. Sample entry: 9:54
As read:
4:41
